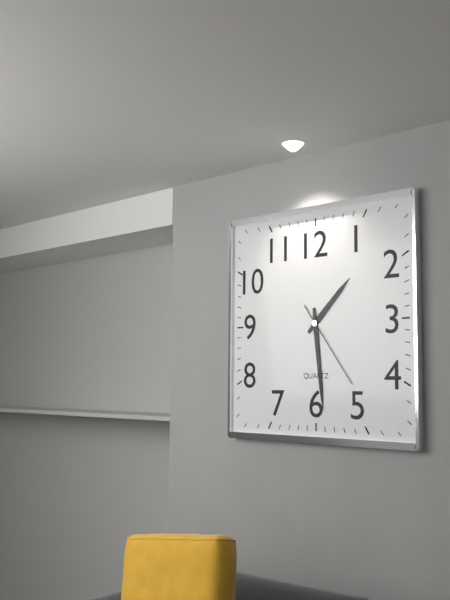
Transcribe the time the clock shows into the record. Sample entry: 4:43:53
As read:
1:29:24
